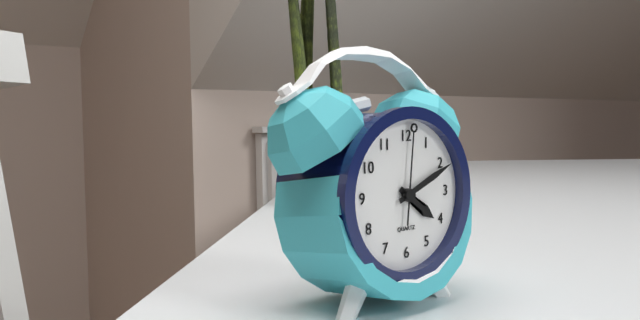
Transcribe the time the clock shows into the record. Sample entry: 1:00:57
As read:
4:11:01
